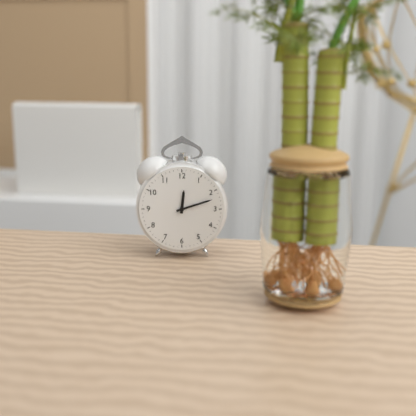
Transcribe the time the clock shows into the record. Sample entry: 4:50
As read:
12:12
